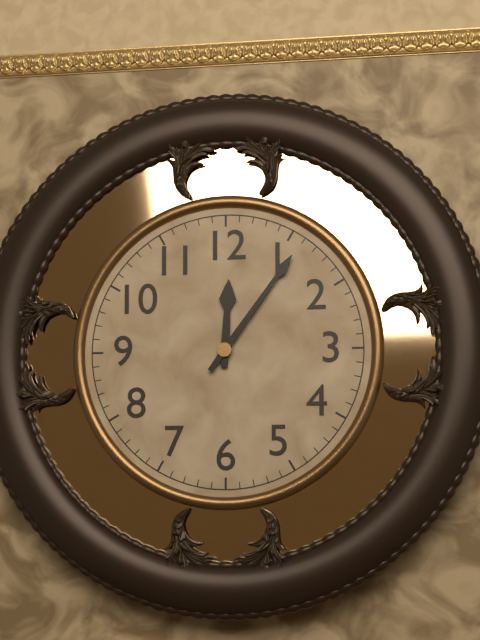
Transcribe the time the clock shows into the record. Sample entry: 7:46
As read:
12:06
